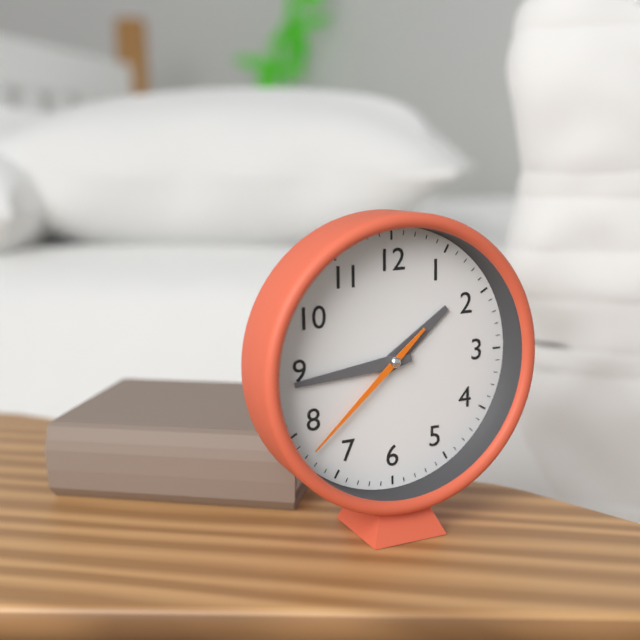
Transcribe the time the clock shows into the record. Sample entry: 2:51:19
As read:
1:44:38
